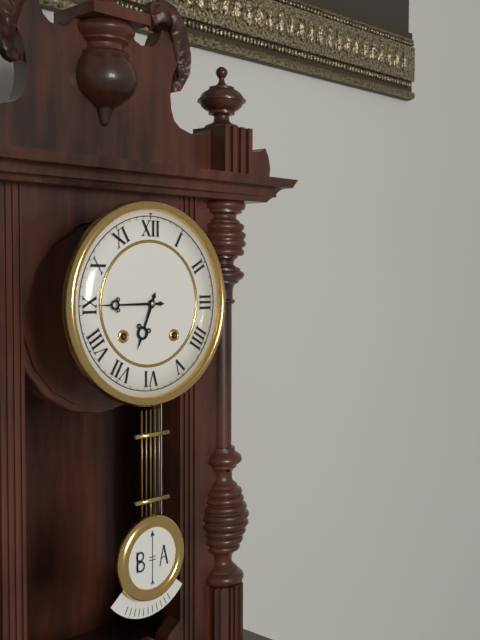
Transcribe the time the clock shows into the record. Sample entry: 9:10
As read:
6:45
